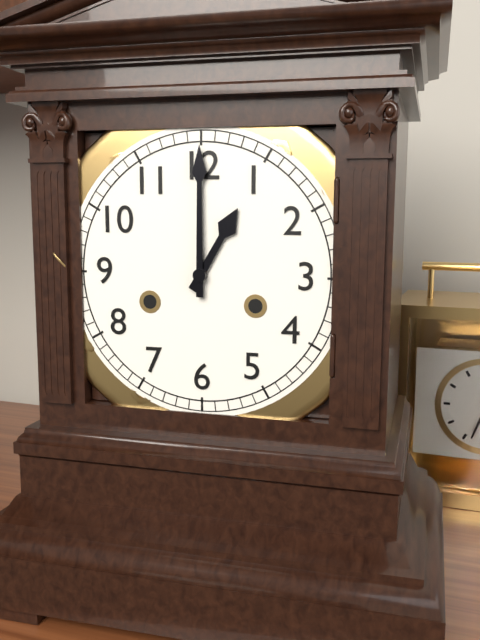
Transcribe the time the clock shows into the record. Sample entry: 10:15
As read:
1:00
